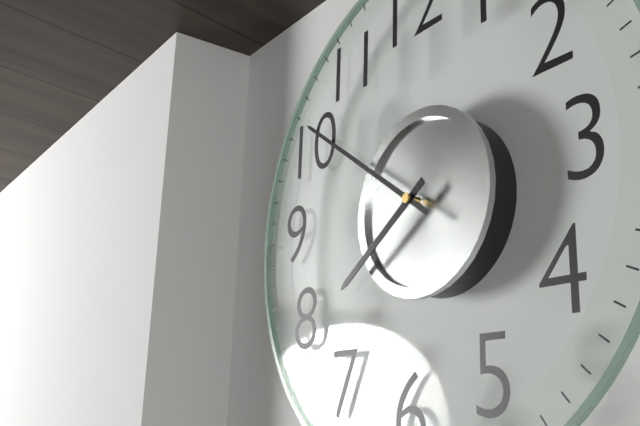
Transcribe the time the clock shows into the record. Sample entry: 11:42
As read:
7:51
